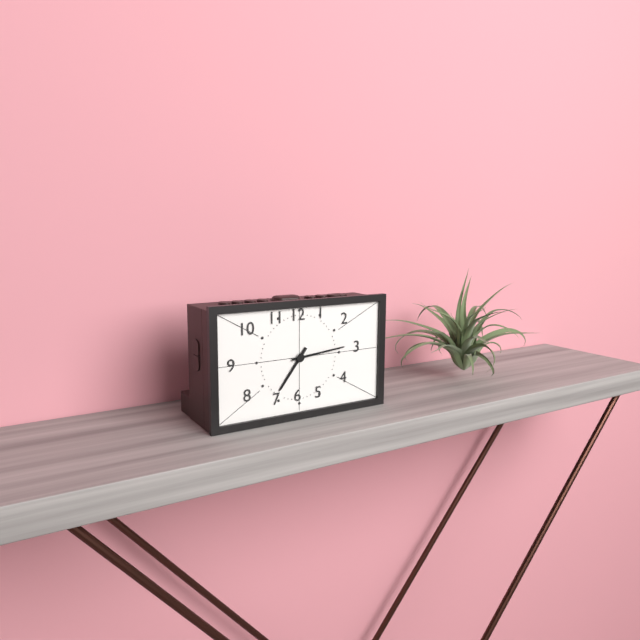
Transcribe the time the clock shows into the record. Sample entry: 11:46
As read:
7:14
